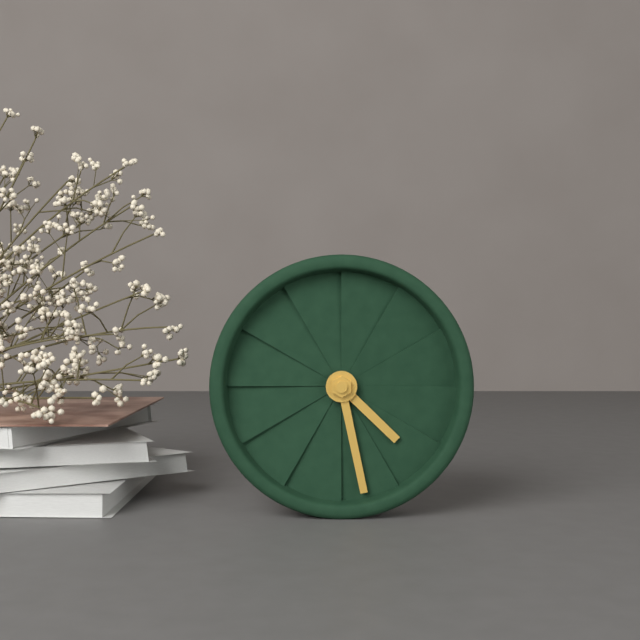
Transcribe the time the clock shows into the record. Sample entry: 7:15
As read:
4:28
